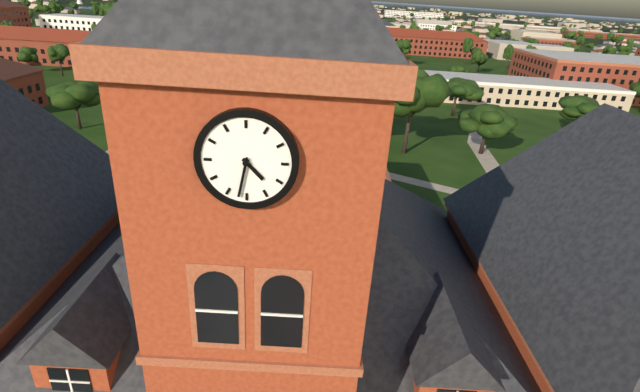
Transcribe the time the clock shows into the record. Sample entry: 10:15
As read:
4:32
